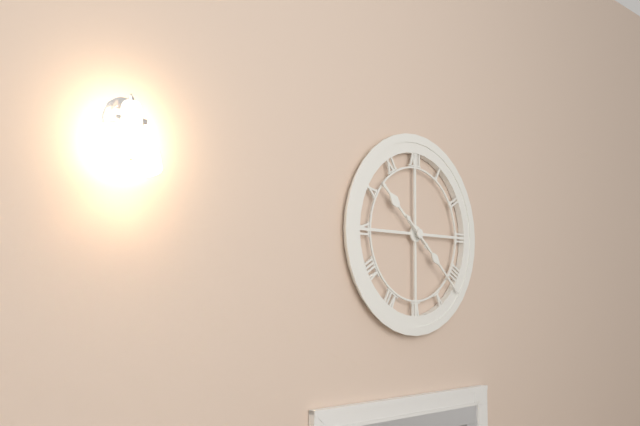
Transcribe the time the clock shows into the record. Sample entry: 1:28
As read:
10:22
